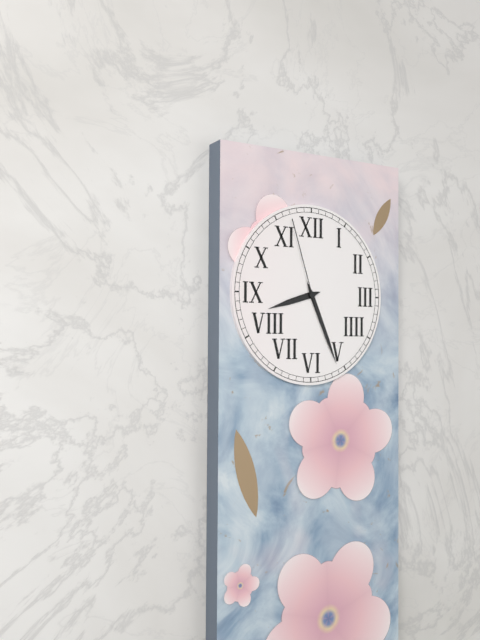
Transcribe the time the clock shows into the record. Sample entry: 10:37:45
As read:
8:26:57
